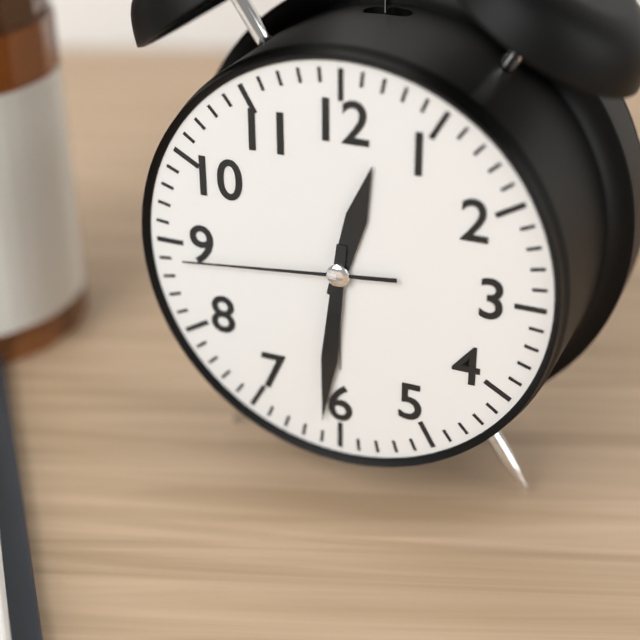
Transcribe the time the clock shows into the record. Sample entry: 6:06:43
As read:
12:31:44
